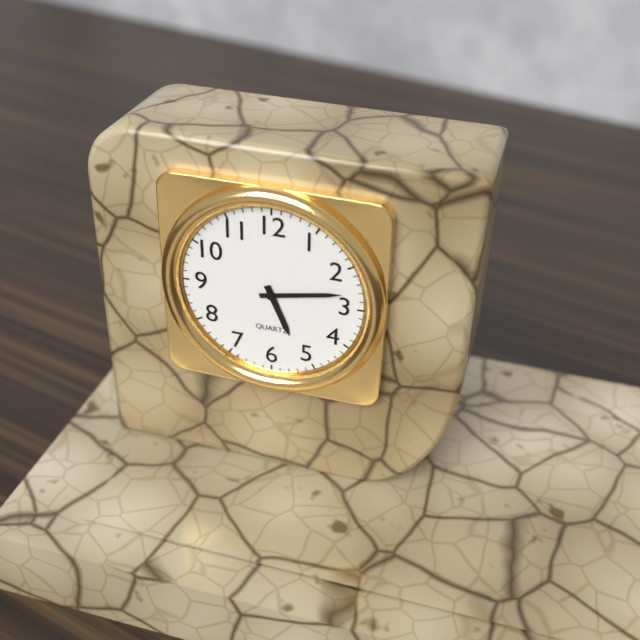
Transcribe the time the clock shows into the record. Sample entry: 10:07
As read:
5:13
